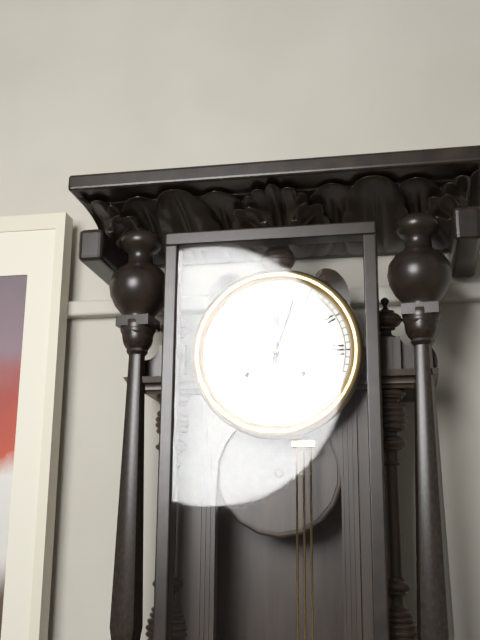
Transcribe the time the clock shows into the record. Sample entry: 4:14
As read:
12:03
